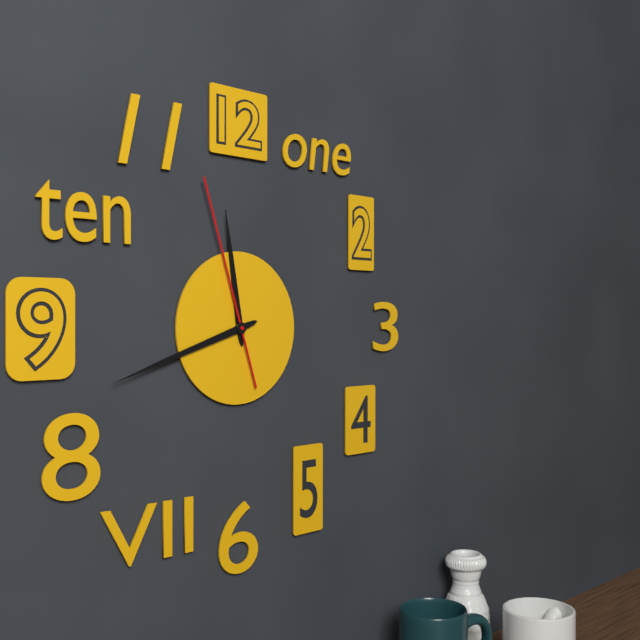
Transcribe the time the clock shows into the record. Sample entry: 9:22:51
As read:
11:42:57
